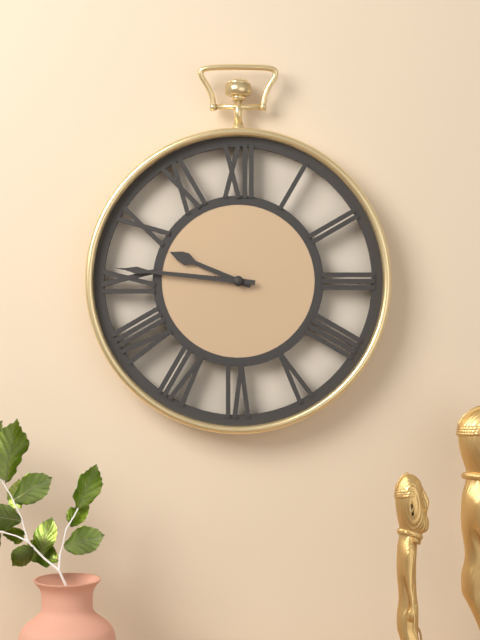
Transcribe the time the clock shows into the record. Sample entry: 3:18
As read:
9:46
